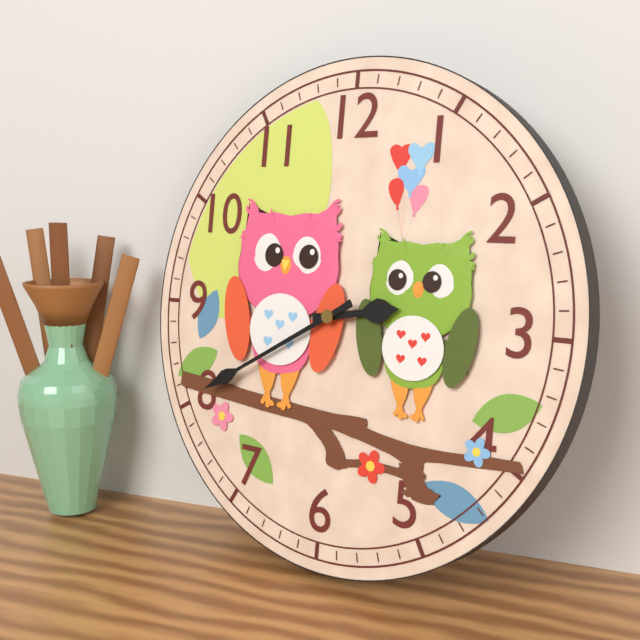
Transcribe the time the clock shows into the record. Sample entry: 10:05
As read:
2:40
